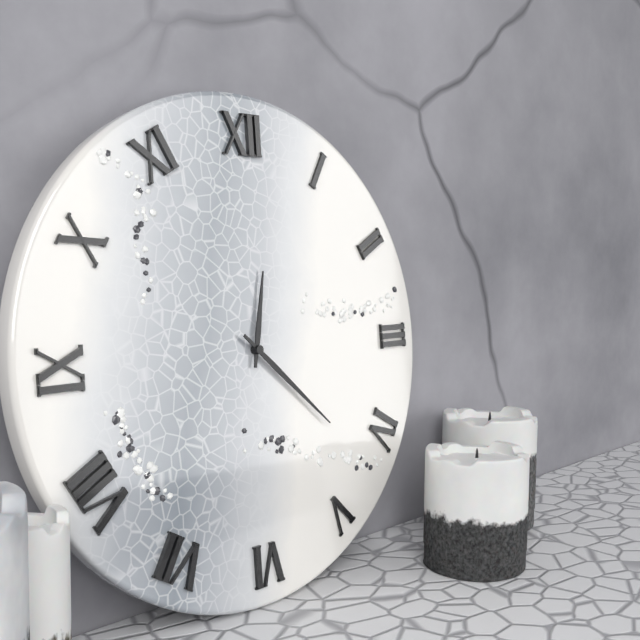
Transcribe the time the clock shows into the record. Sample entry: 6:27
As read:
12:22
